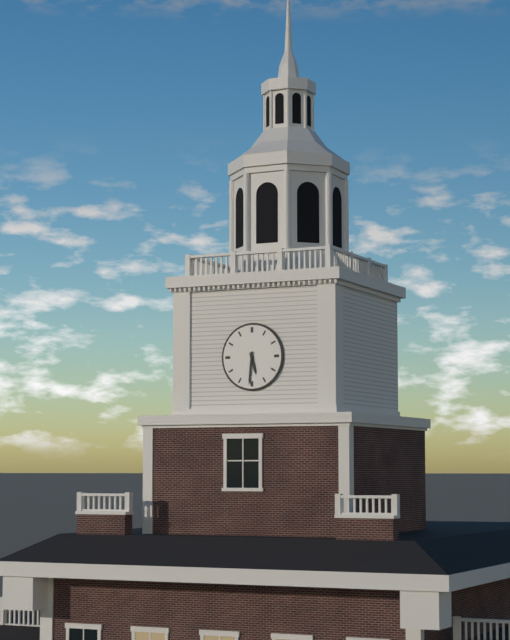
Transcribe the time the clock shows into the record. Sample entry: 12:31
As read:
5:31
